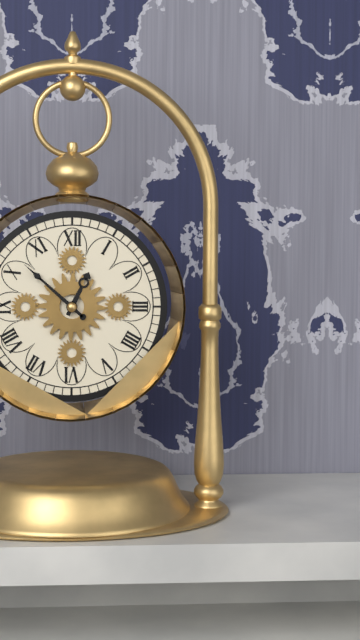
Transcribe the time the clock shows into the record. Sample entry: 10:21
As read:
12:52
